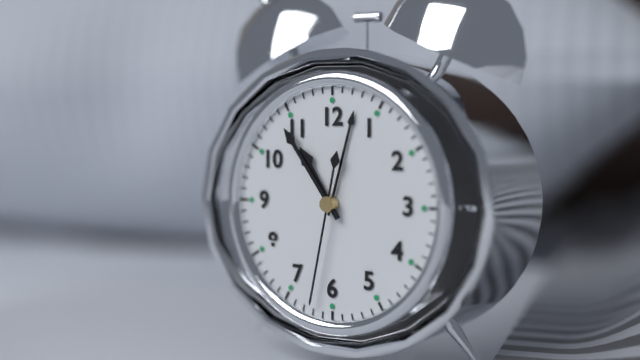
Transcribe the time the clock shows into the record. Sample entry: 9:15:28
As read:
10:54:32
